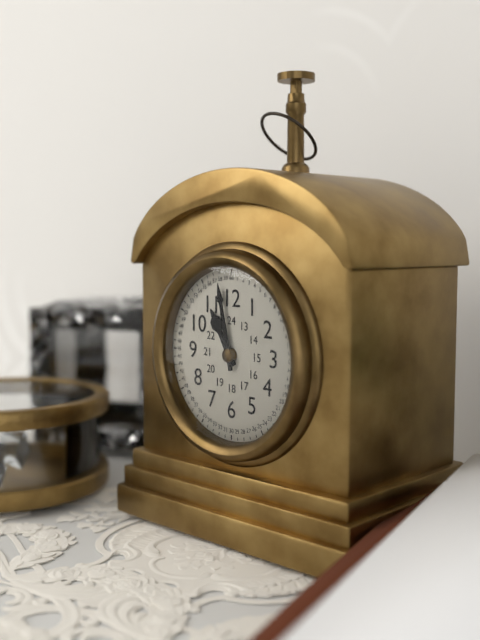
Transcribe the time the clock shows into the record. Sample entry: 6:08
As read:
10:58
